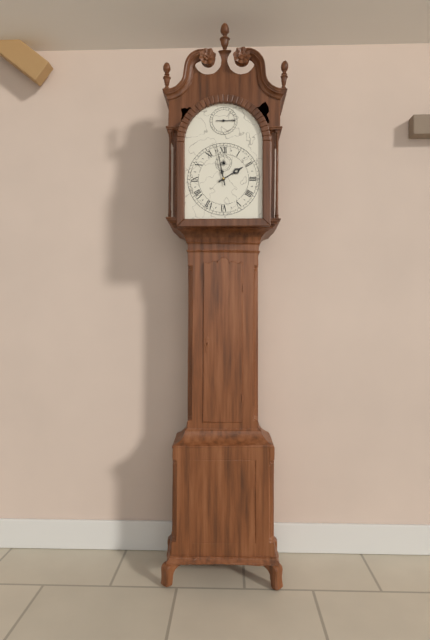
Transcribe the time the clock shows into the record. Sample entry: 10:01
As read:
1:58
